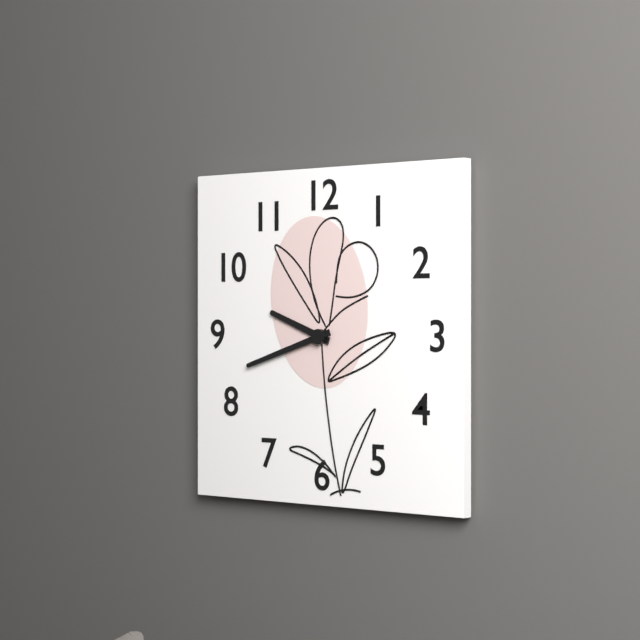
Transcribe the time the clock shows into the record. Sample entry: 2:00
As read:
9:42
